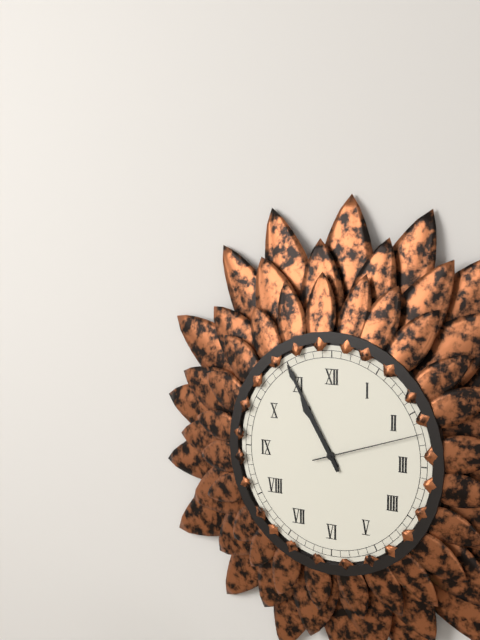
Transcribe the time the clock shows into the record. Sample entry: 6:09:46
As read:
10:55:12
